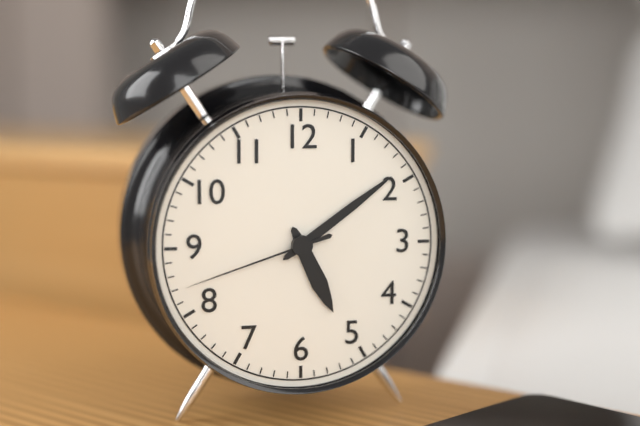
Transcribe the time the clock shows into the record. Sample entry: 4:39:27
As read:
5:09:42
